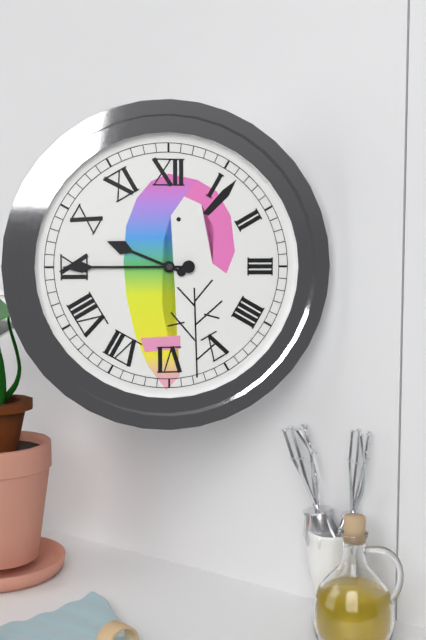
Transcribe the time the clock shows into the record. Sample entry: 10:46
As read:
9:45
